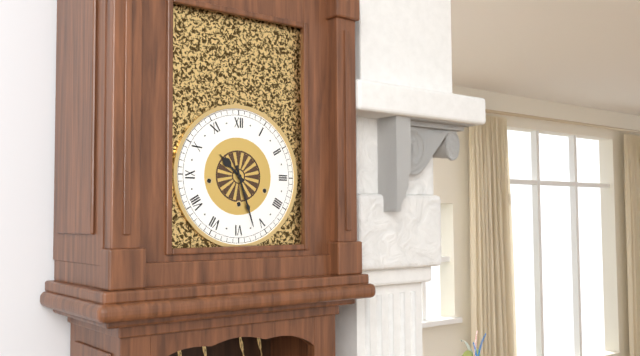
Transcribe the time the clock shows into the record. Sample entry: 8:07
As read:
10:27
